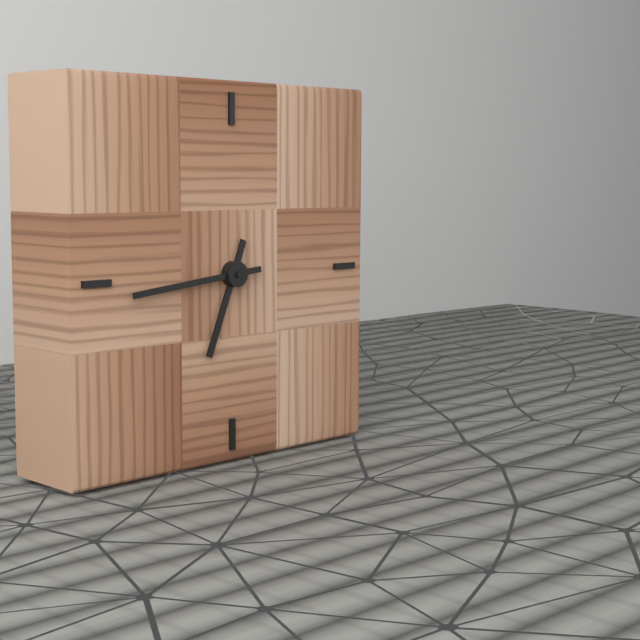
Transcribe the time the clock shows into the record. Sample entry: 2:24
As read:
6:44
